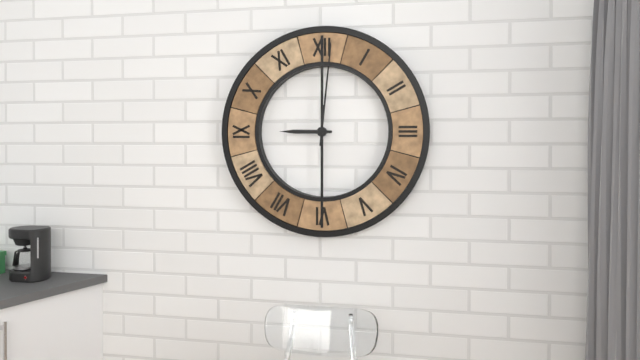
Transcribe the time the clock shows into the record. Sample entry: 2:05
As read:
9:01
